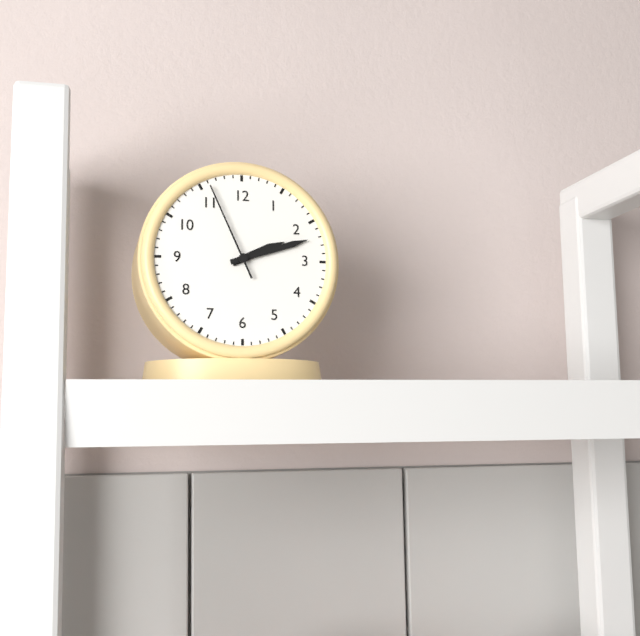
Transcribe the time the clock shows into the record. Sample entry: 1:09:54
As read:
2:12:56
